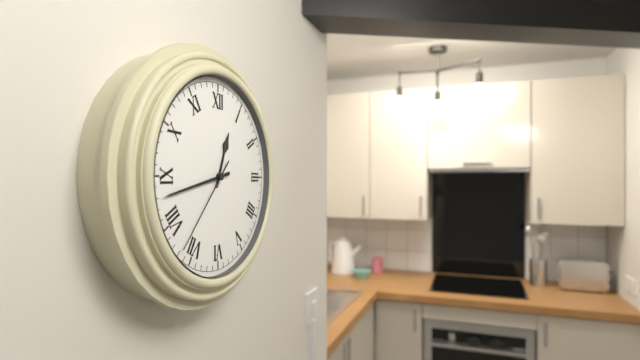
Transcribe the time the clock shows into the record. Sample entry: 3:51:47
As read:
12:43:37
